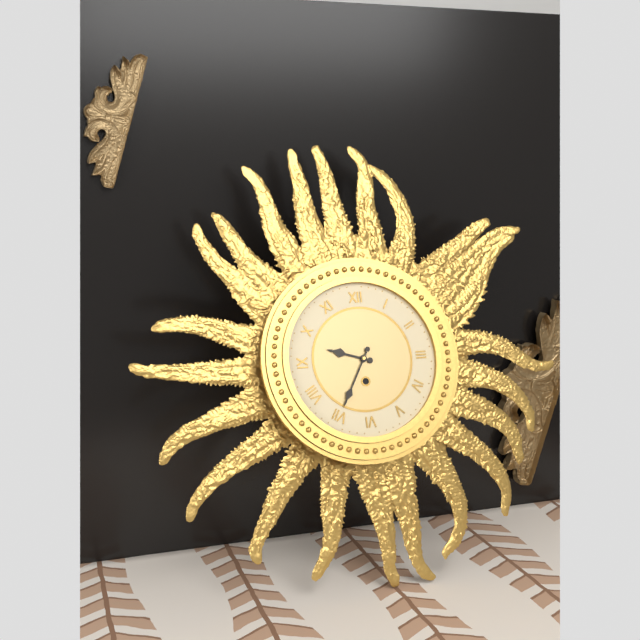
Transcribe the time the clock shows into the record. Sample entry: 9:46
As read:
9:35
